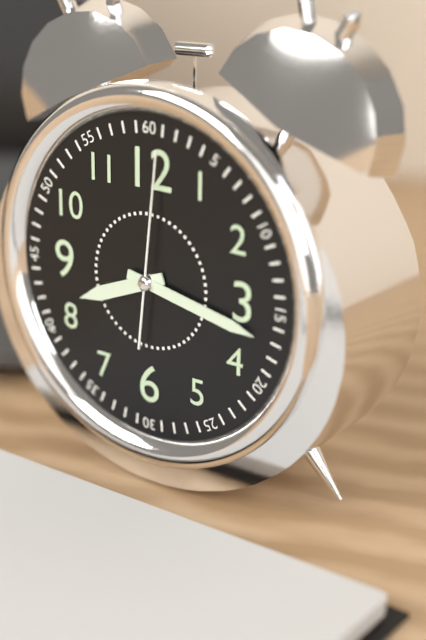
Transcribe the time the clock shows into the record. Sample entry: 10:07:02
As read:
8:17:01
